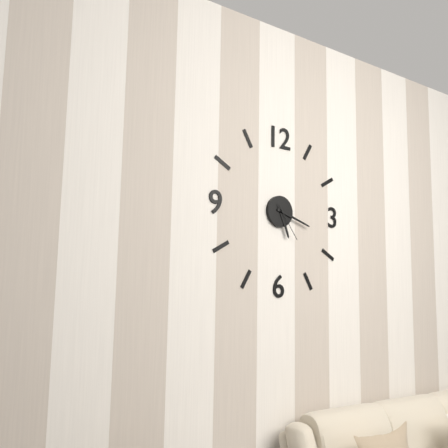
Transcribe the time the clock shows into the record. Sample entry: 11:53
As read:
5:18
